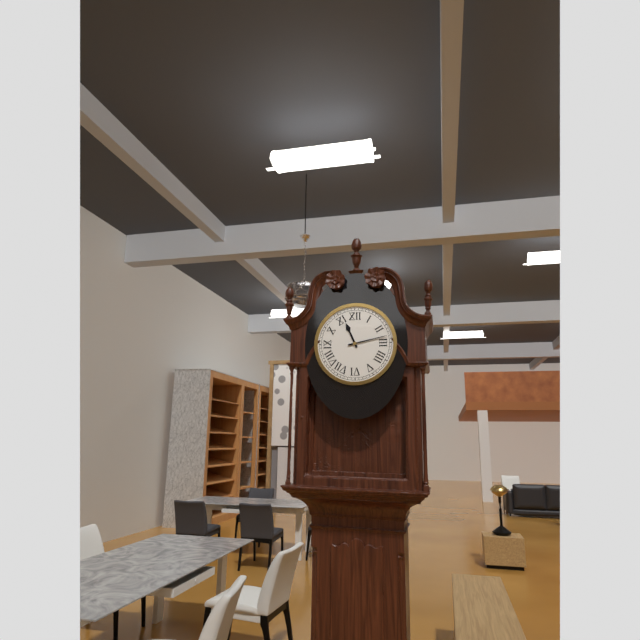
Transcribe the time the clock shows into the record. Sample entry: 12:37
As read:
11:13
